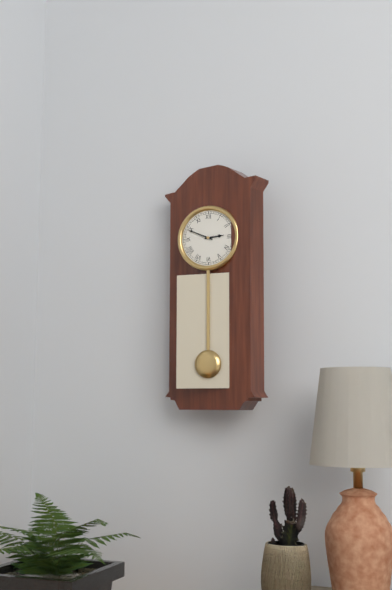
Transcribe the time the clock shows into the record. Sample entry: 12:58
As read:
2:49
